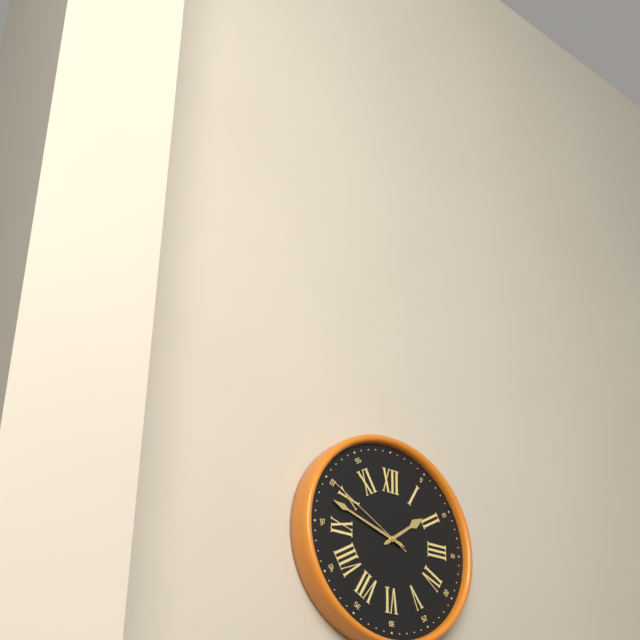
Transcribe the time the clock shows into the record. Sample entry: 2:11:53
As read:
1:48:50
